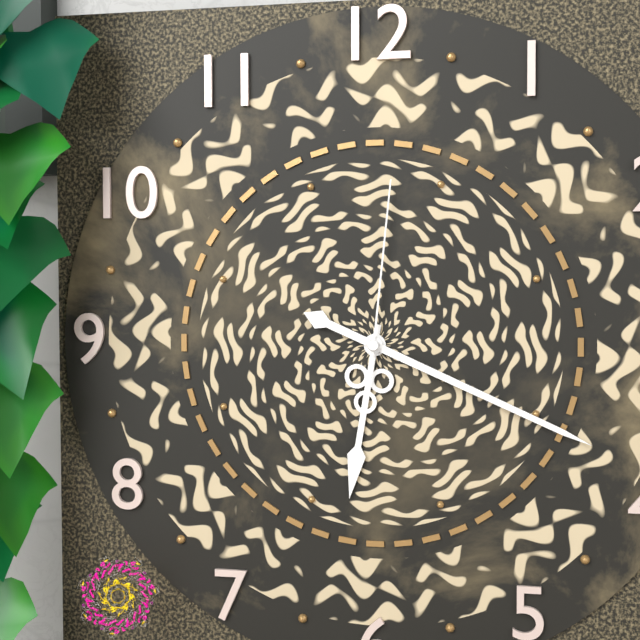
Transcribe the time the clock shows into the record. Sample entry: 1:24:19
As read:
6:19:01
